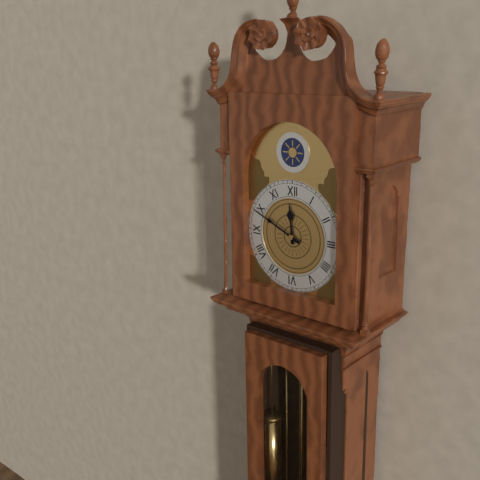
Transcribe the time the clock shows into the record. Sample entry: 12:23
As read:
11:49
